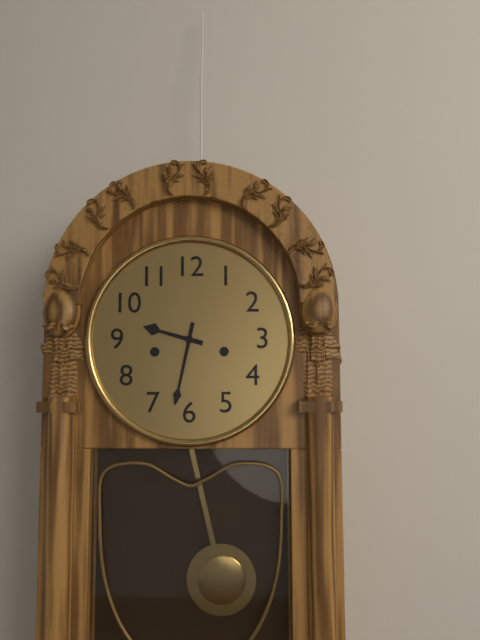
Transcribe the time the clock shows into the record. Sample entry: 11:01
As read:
9:32
